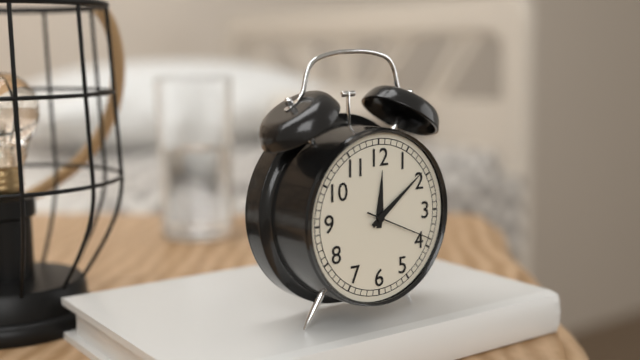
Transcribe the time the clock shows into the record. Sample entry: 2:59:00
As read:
12:09:19
